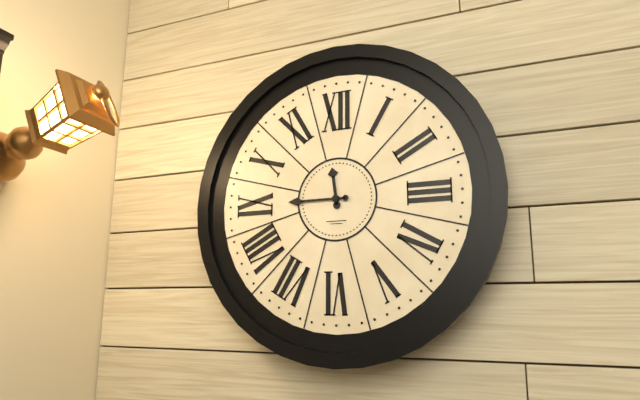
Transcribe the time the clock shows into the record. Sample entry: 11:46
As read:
11:45
